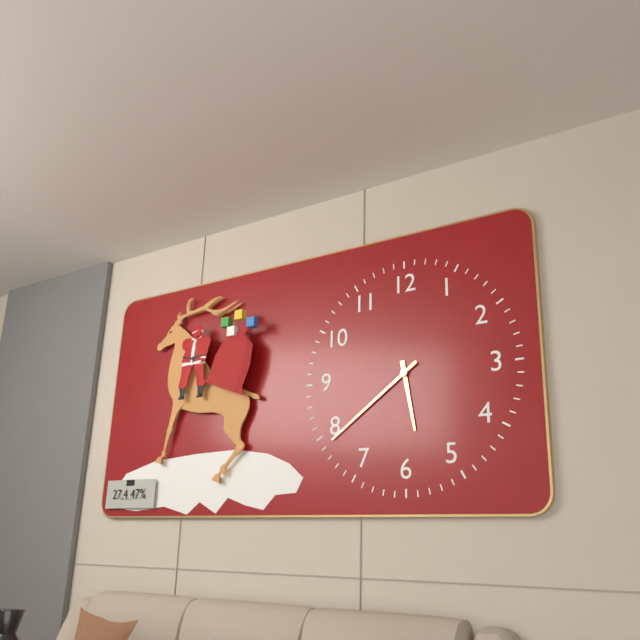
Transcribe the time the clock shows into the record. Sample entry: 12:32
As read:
5:39
